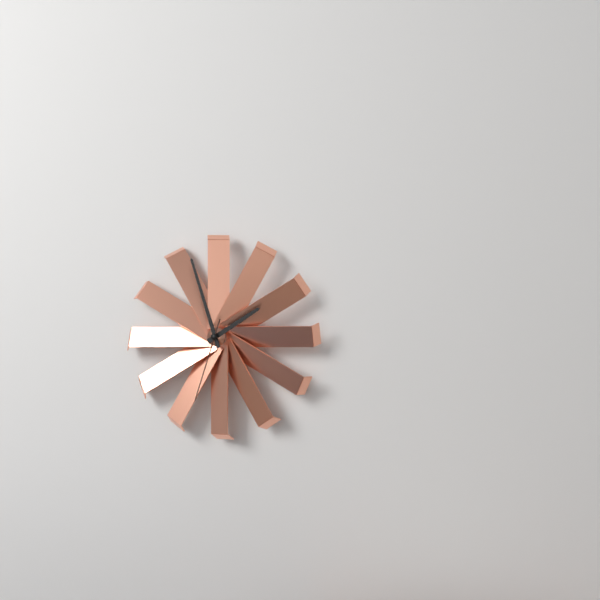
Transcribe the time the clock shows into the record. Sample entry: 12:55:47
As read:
1:57:33
